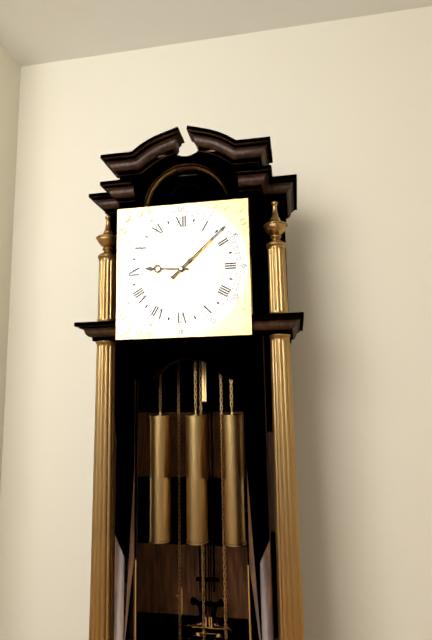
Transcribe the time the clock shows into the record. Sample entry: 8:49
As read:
9:08
